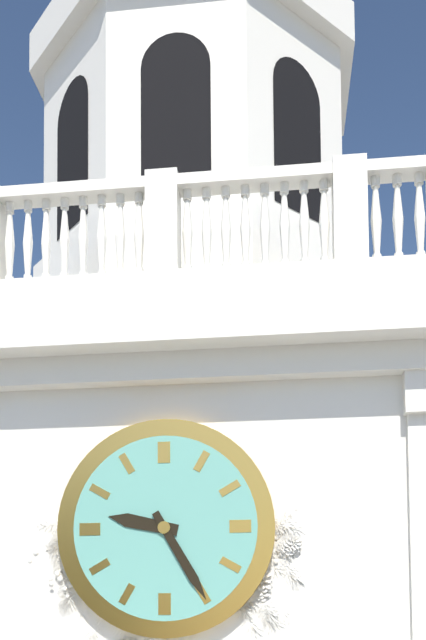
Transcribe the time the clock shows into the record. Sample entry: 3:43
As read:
9:25
